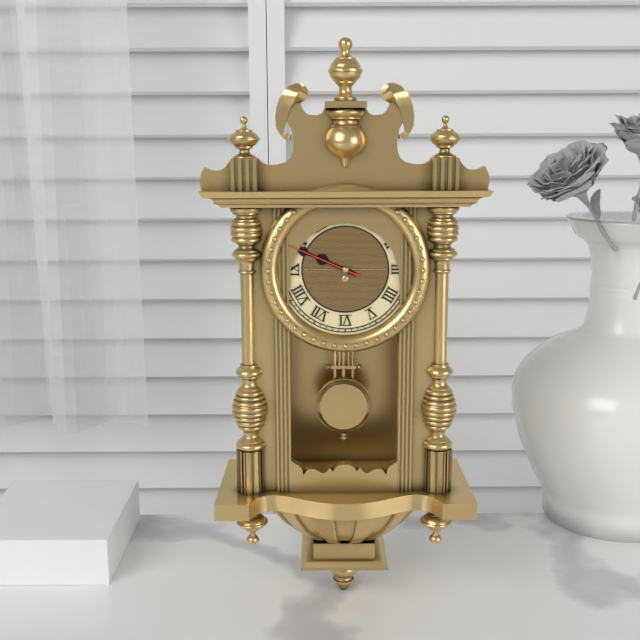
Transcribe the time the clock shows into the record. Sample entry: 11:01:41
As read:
9:49:49
